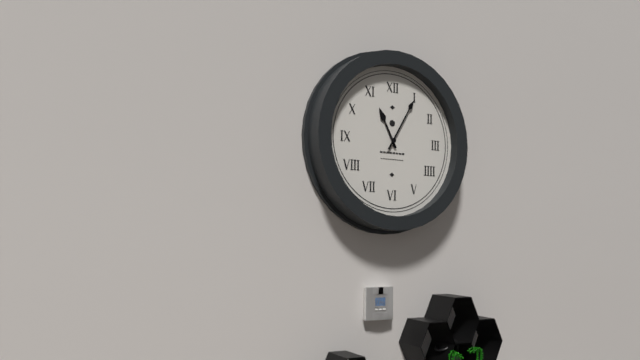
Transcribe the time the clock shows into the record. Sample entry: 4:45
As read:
11:05
